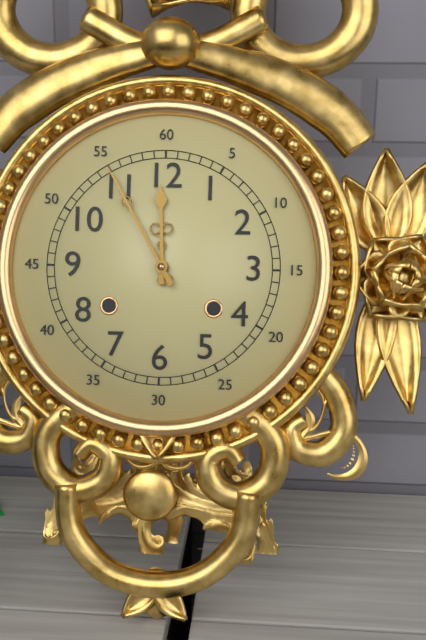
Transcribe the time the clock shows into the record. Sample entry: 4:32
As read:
11:55
